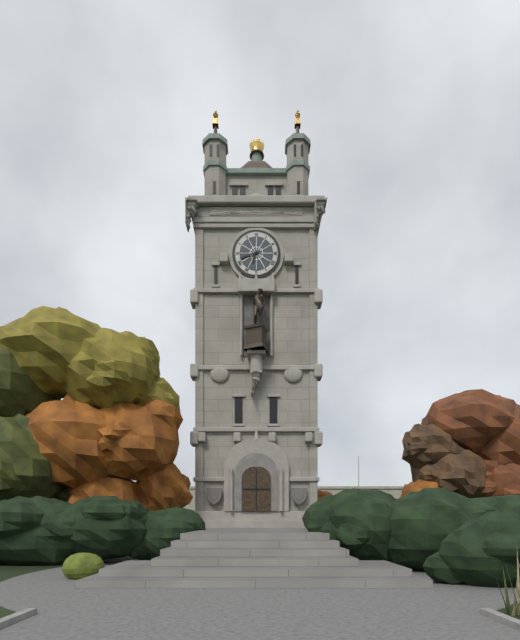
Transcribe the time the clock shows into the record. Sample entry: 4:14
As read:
6:42
